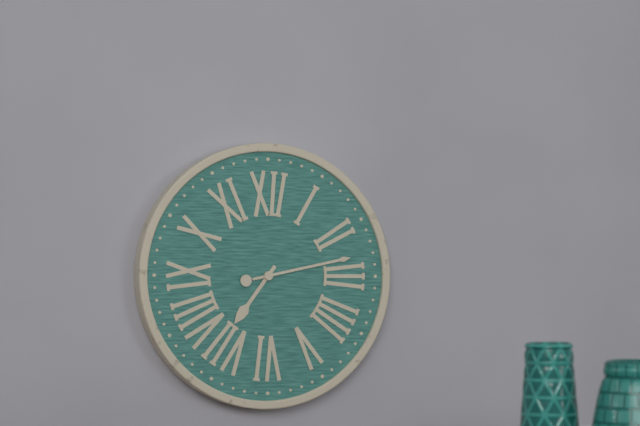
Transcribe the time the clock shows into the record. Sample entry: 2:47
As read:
7:13
